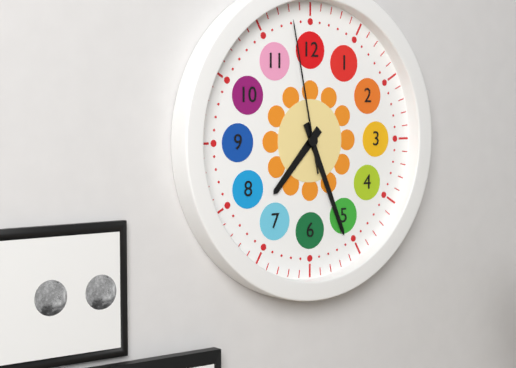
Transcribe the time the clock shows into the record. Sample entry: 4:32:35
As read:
7:26:58
